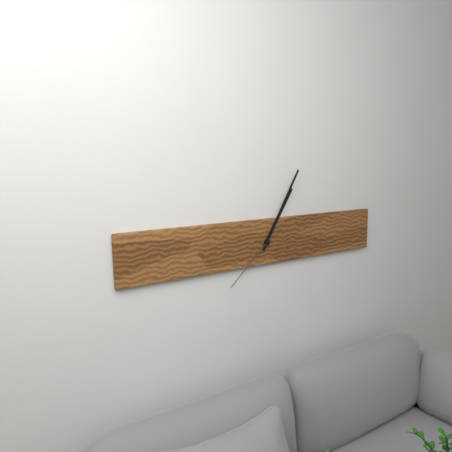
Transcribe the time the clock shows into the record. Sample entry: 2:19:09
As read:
1:05:38
